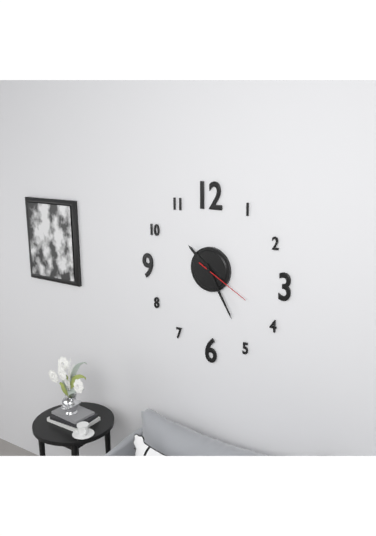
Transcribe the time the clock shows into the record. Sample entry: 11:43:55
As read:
10:25:20
